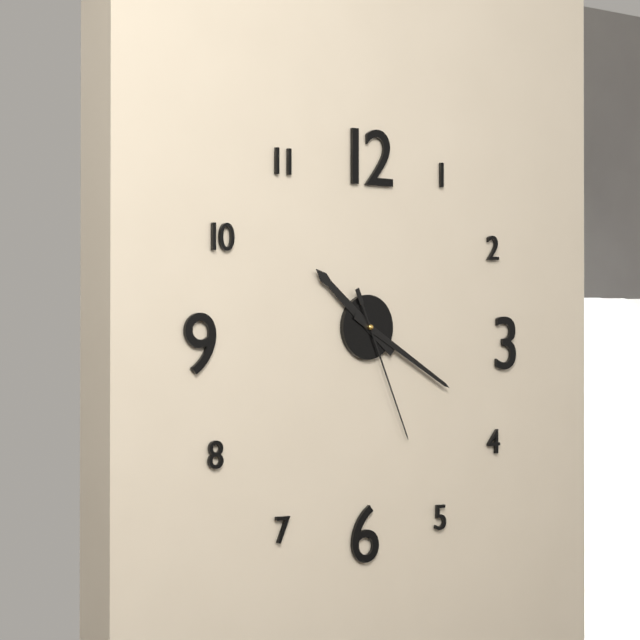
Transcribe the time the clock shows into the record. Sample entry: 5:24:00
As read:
10:20:26
